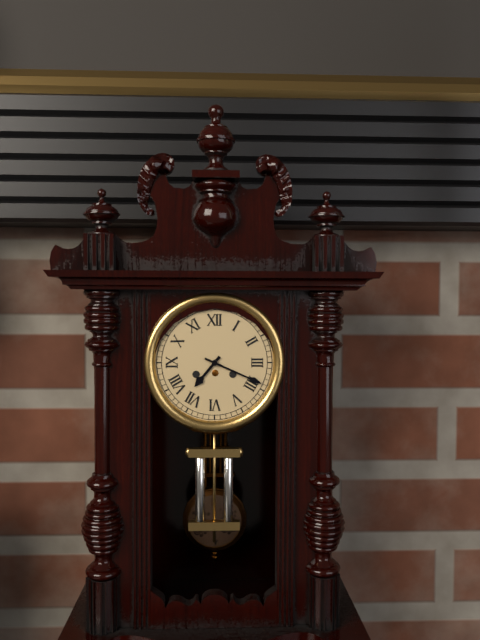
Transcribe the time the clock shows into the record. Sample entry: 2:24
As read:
7:19
